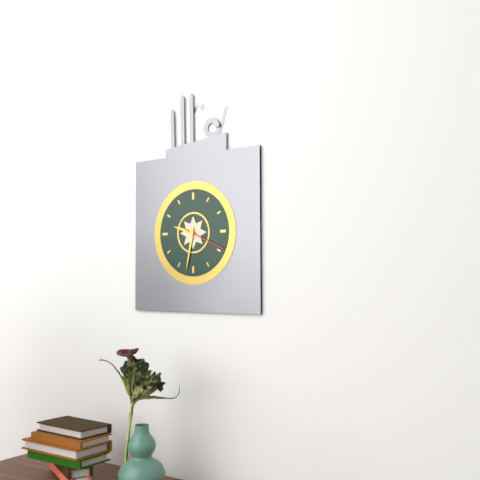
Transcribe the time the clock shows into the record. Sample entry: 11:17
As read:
9:32
